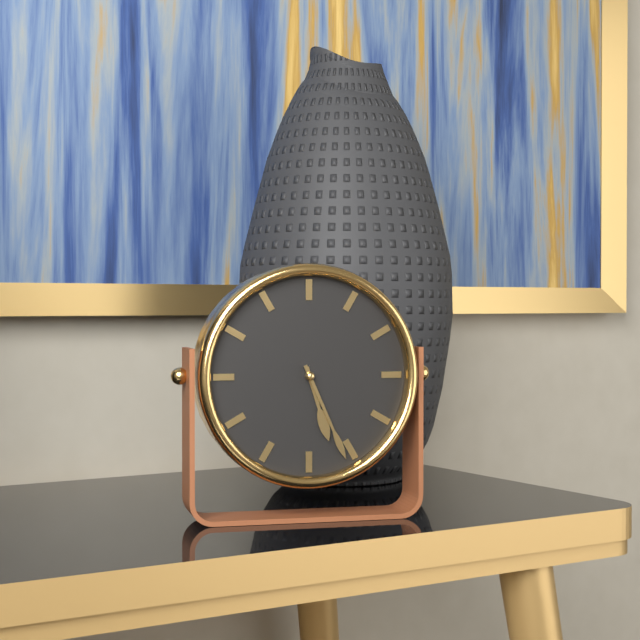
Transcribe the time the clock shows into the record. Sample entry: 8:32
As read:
5:26
